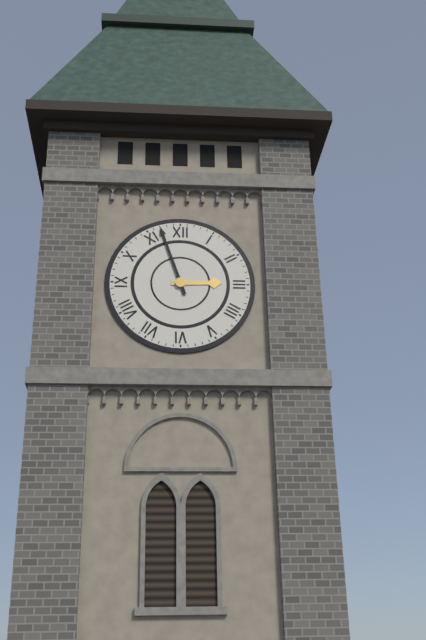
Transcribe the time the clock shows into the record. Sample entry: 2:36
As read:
2:57
